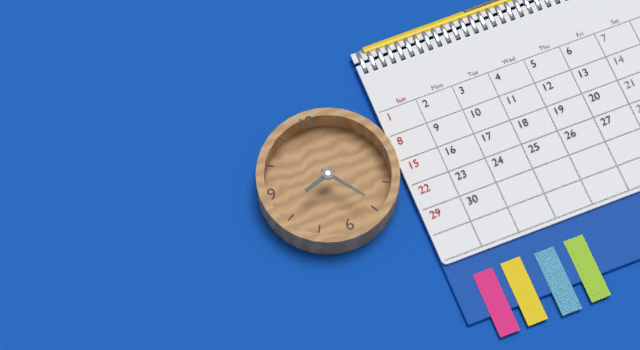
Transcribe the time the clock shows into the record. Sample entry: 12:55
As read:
8:24
